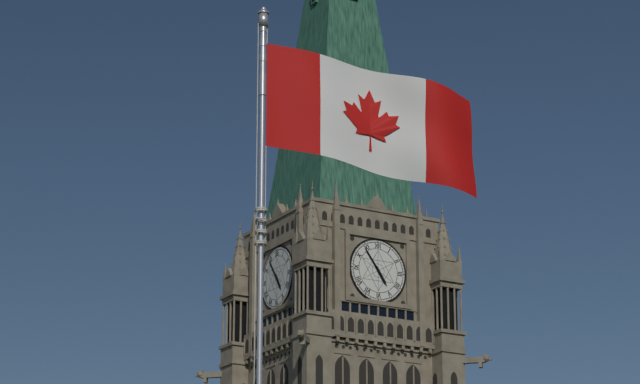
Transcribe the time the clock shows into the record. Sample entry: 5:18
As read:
4:54
